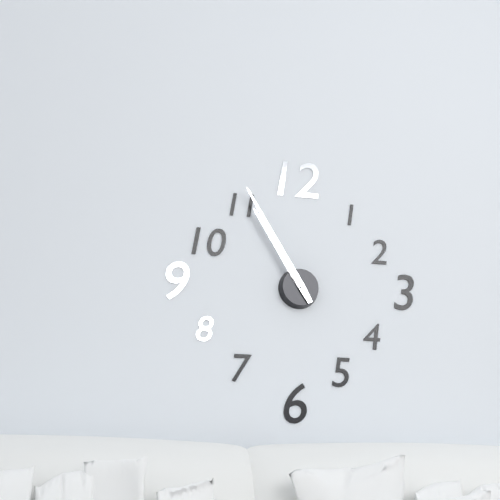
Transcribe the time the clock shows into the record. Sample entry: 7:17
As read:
10:55
